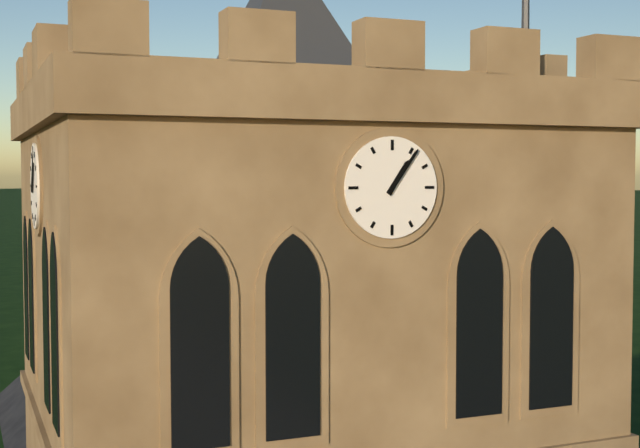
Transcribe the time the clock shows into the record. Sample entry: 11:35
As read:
1:06
